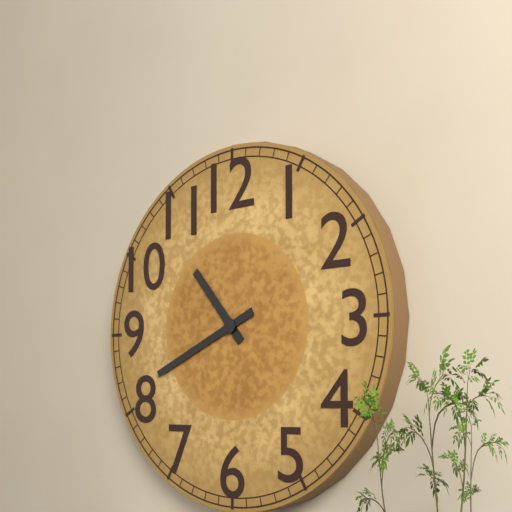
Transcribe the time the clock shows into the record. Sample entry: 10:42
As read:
10:41
